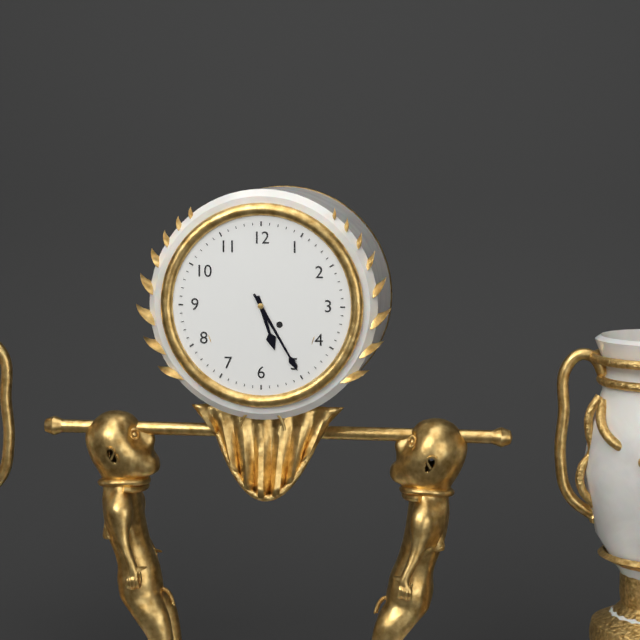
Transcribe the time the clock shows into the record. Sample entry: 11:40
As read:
5:25
